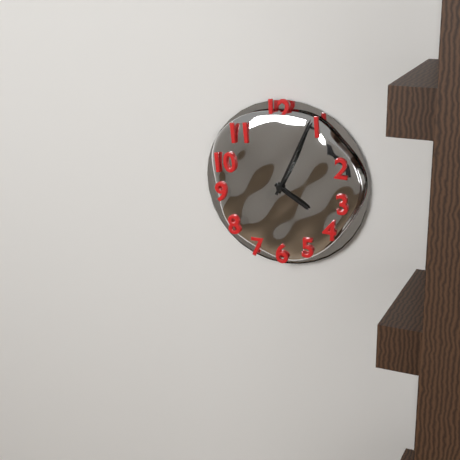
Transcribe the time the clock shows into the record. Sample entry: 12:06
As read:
4:04
